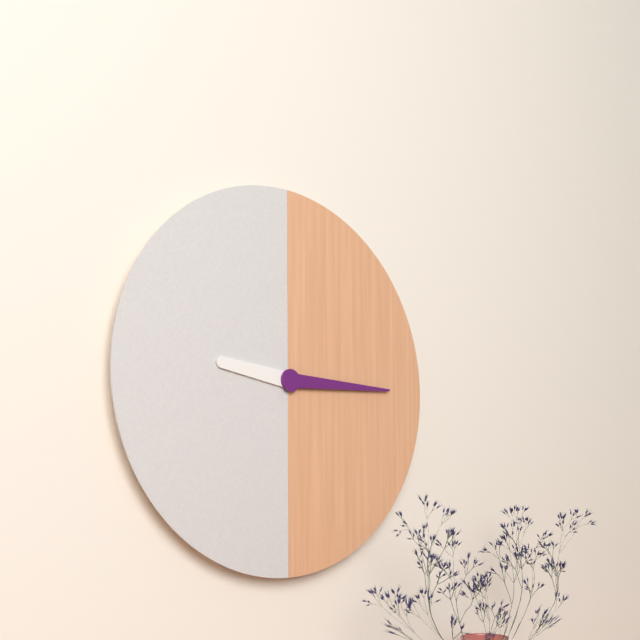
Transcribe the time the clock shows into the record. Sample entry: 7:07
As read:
9:15
